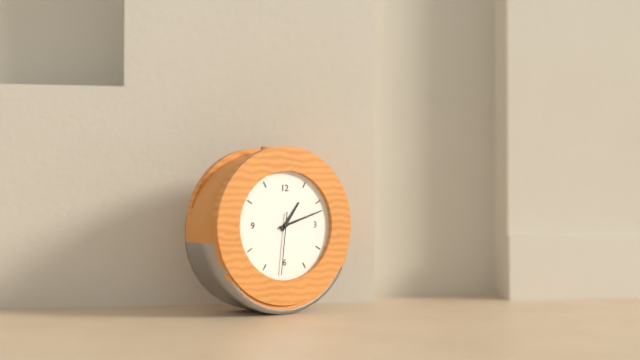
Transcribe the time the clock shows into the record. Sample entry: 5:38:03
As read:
1:12:31
